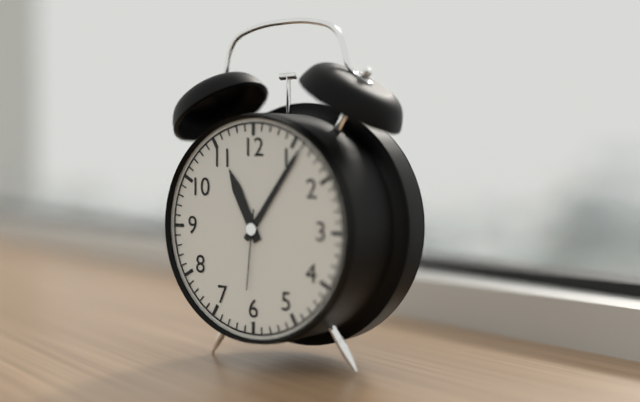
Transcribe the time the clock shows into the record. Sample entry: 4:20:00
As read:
11:06:31
